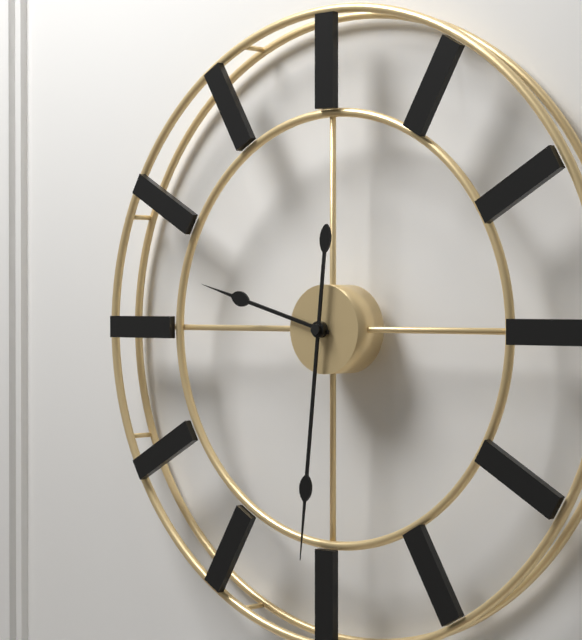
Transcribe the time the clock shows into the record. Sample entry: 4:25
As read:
9:31
